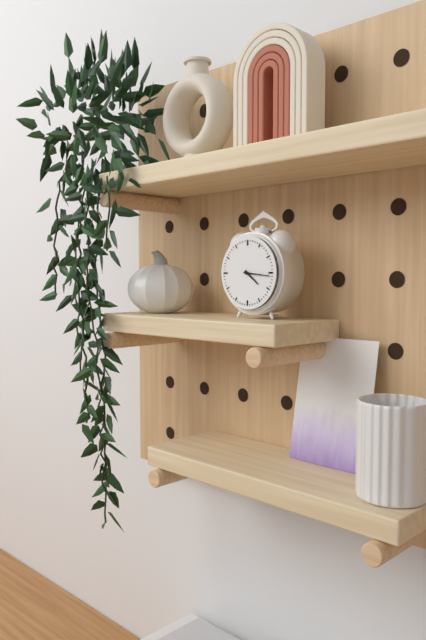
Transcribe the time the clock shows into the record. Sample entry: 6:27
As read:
4:16
